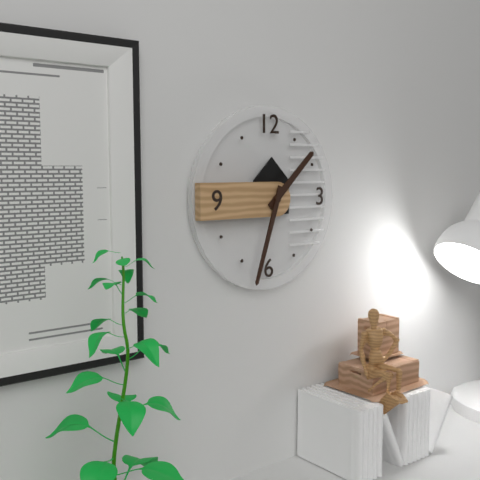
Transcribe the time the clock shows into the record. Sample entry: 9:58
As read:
1:33
